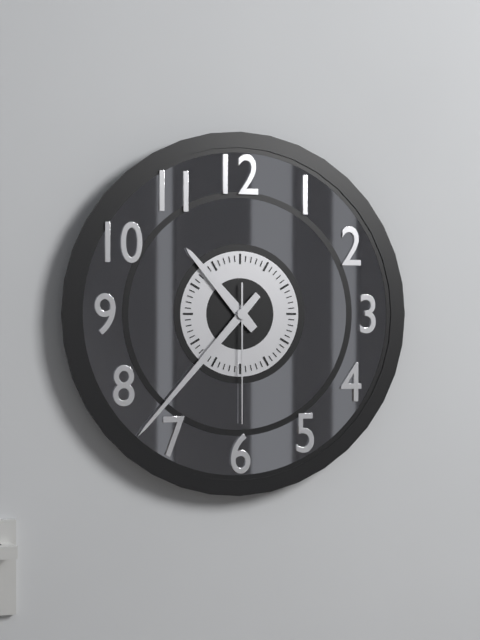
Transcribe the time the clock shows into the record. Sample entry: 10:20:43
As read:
10:37:30
